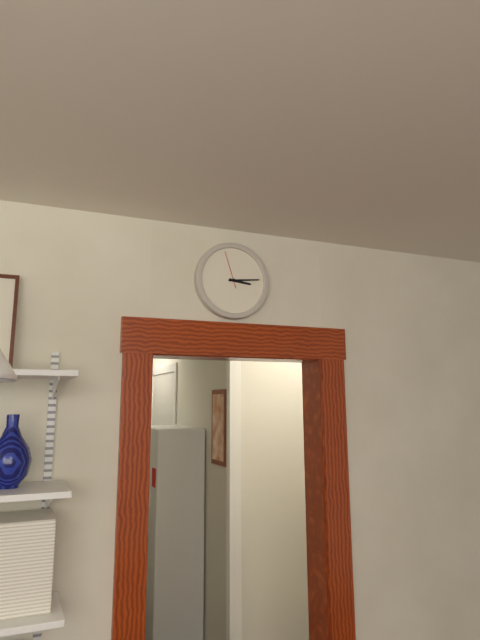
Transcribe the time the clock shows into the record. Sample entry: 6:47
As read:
3:14
